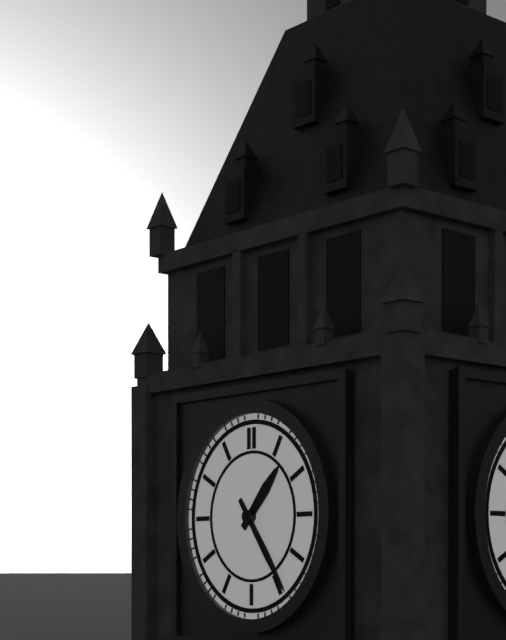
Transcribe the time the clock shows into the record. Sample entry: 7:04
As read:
1:24
